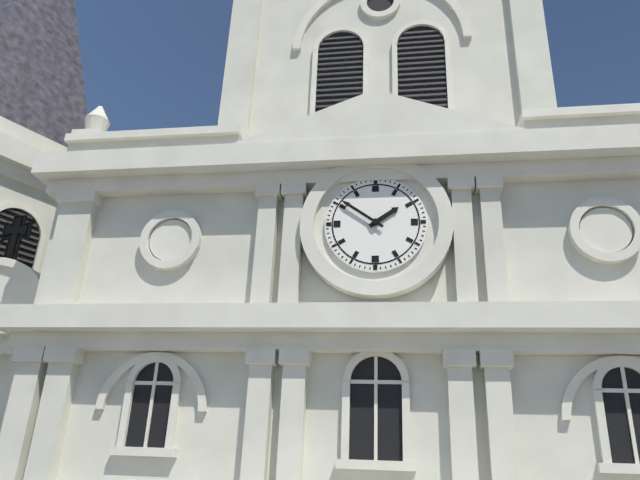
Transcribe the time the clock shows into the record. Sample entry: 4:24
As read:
1:51
